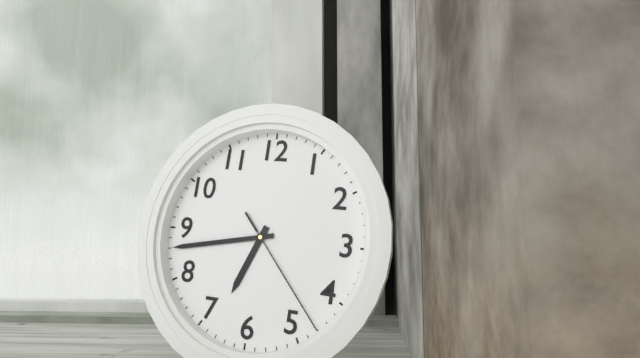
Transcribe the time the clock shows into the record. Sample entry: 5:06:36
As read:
6:43:23
